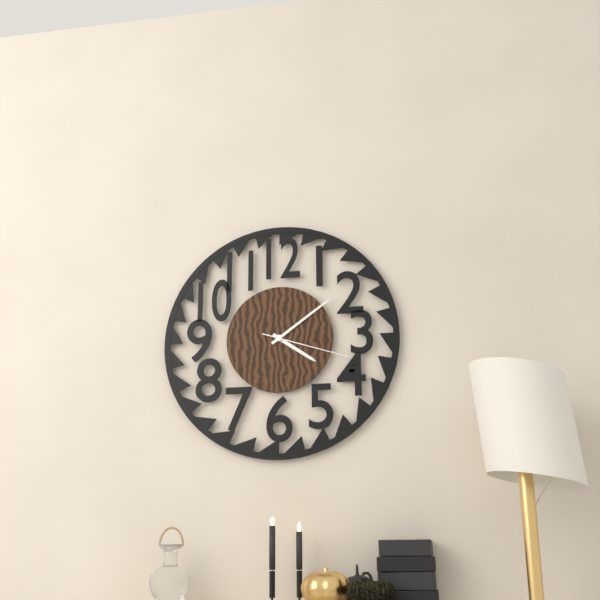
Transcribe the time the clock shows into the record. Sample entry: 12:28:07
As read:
4:09:18
